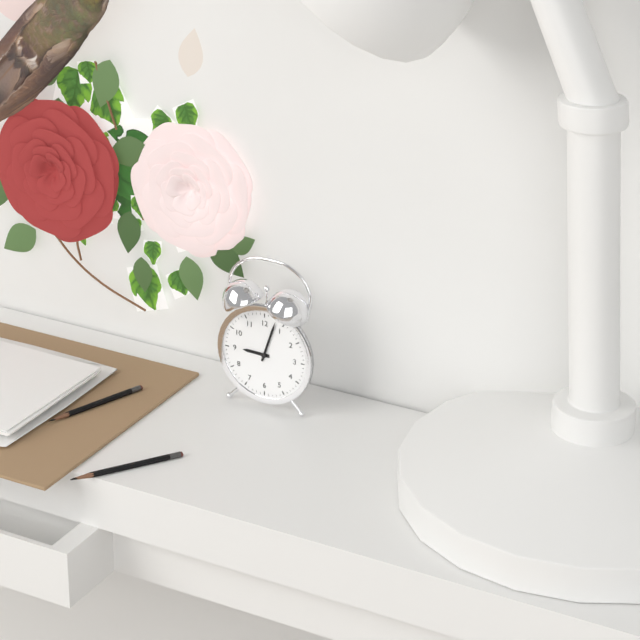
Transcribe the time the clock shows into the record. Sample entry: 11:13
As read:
9:03
